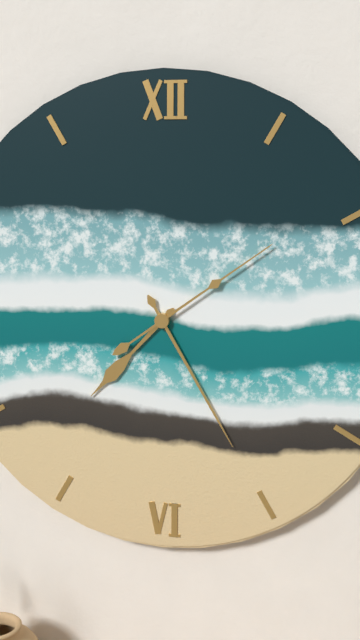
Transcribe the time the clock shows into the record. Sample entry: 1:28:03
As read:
7:25:09
